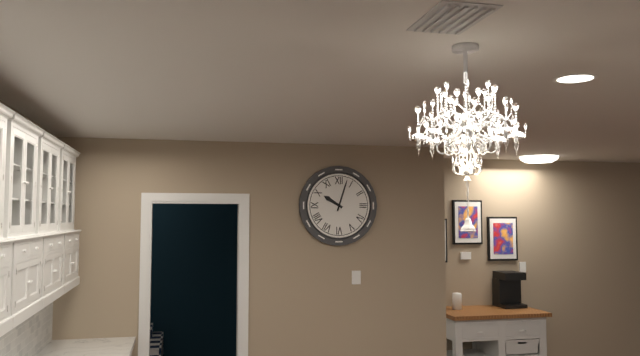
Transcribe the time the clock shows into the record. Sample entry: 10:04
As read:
10:03
